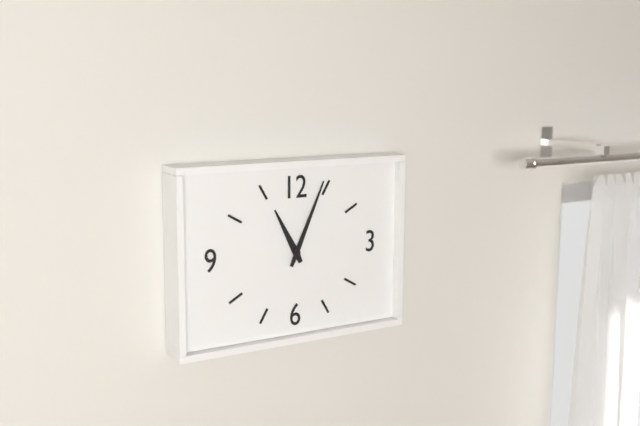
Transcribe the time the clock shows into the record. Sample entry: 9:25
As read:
11:04
